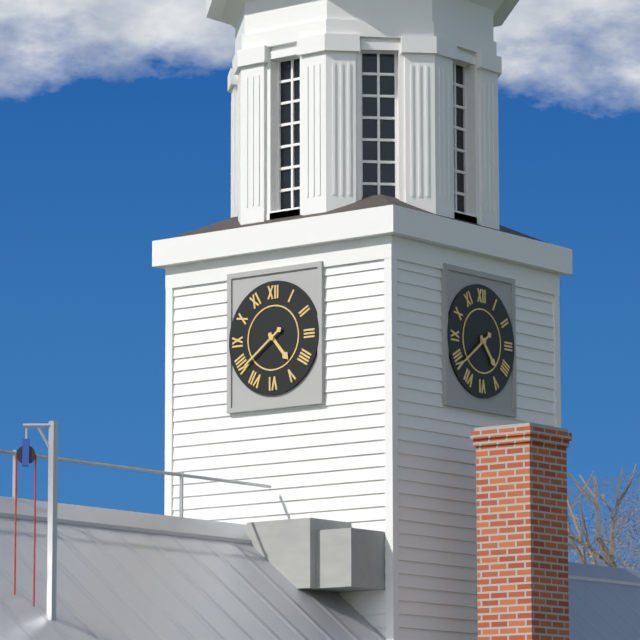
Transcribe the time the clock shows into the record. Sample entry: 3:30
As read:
4:39
